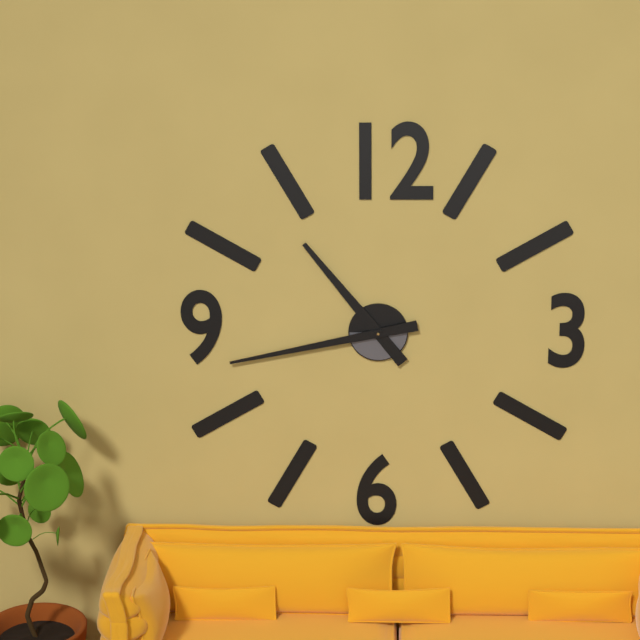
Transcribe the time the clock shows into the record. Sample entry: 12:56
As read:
10:43
